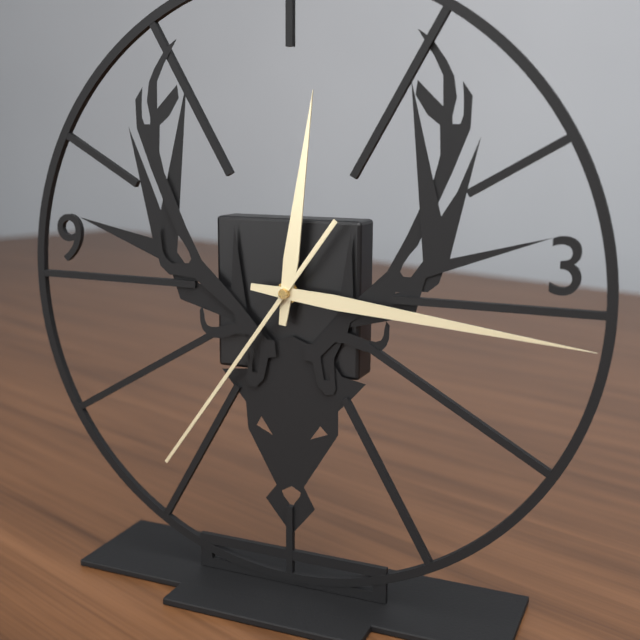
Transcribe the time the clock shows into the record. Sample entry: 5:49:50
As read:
12:16:36
